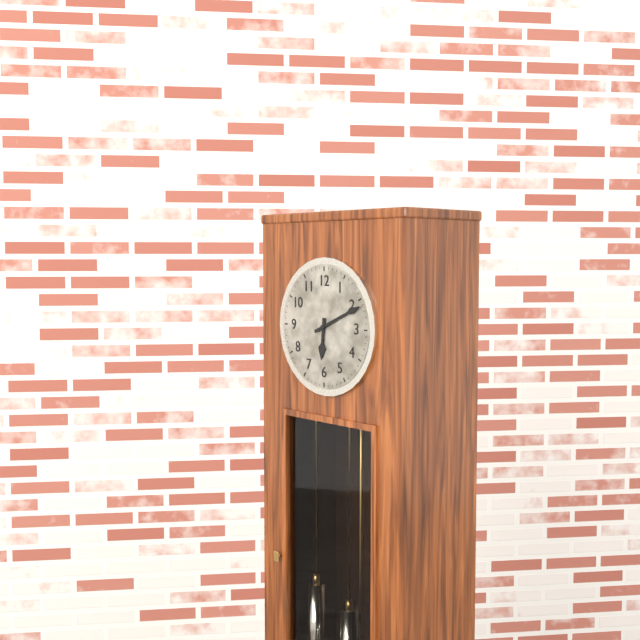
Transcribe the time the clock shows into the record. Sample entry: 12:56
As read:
6:11
